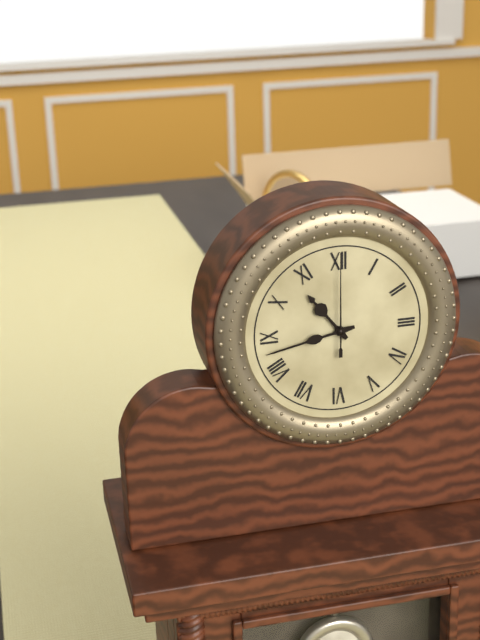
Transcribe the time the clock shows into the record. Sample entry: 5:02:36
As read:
10:43:00
